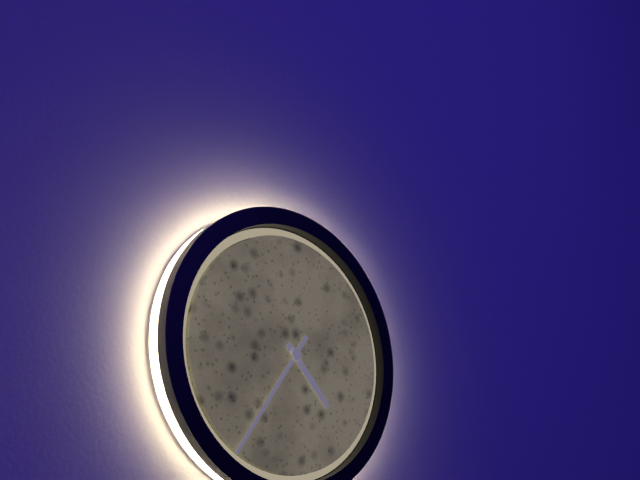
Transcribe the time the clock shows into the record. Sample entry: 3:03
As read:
4:36
